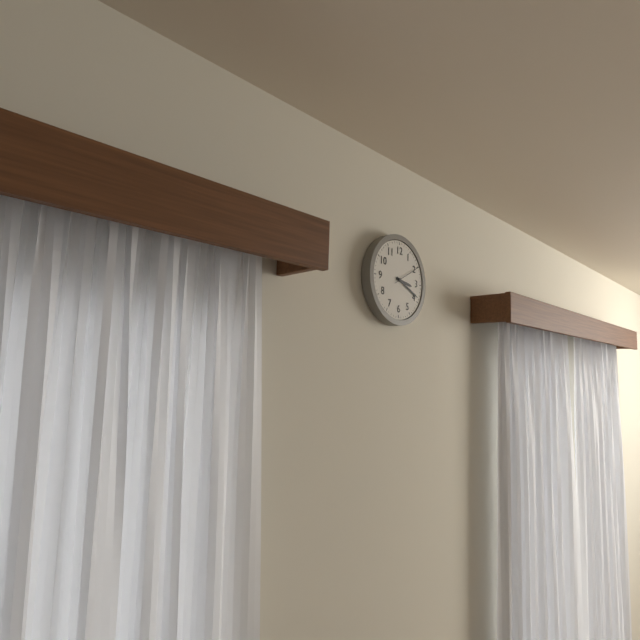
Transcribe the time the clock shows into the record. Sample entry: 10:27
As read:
3:19
